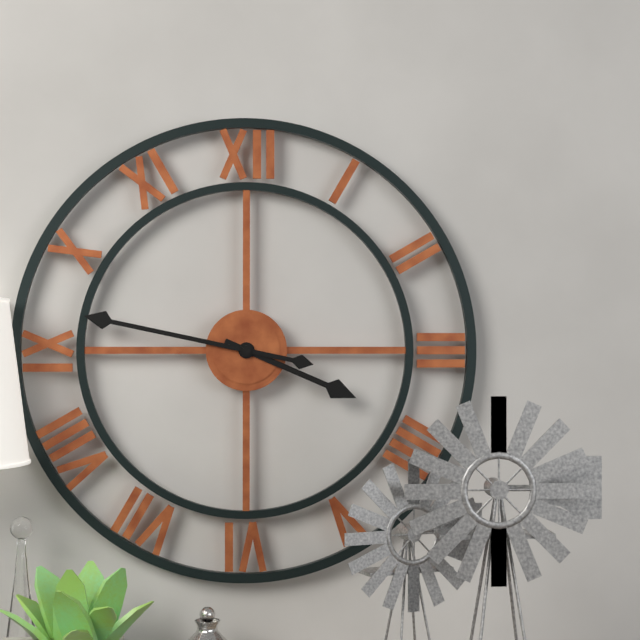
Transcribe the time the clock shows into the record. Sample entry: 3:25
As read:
3:47
